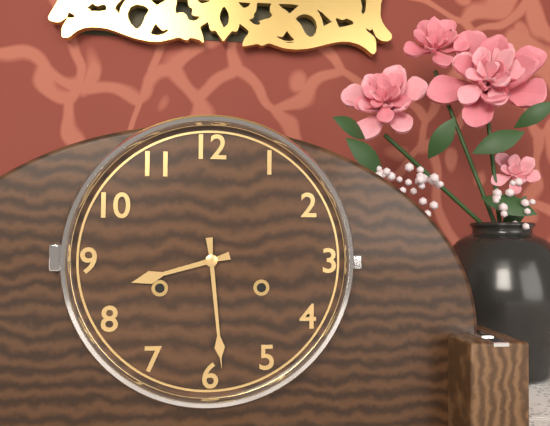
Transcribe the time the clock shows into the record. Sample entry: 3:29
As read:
8:29
